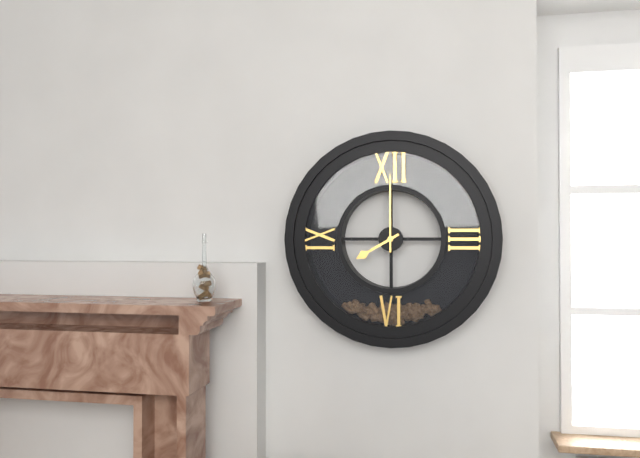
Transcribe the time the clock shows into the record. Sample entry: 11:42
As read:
8:00
